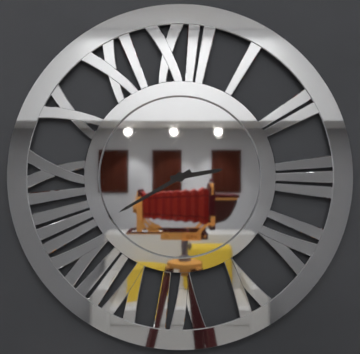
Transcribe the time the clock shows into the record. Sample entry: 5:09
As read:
2:40
